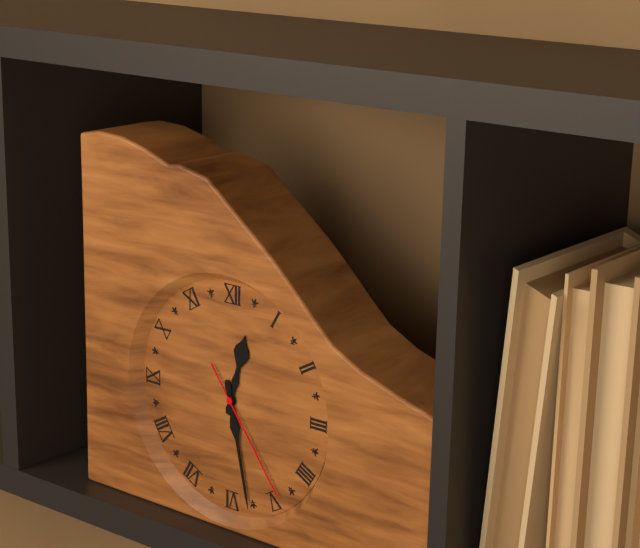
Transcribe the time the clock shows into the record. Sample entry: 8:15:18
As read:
12:28:24
